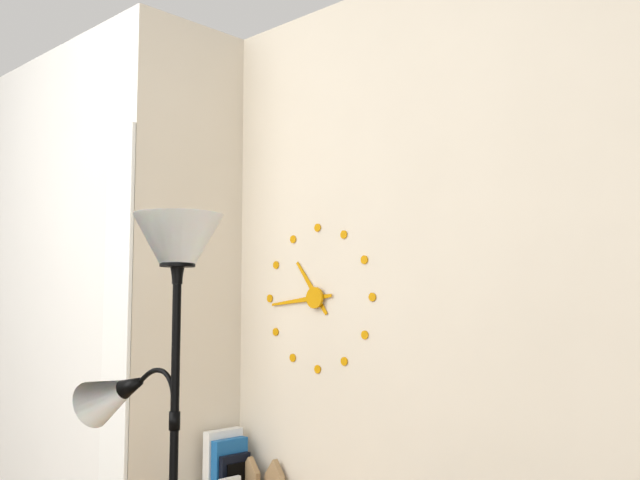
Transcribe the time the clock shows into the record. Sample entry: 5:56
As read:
10:44
